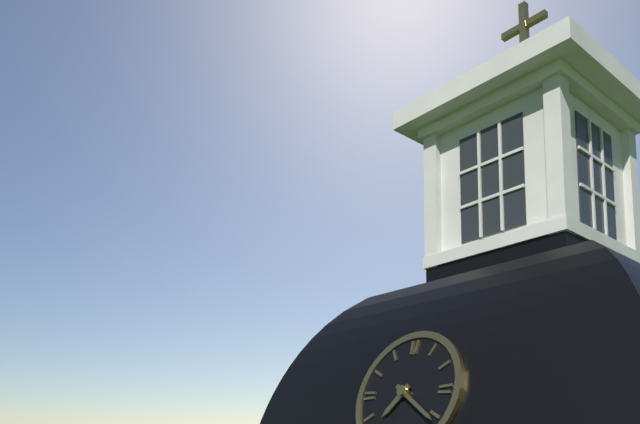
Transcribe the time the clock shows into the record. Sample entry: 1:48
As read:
7:21
